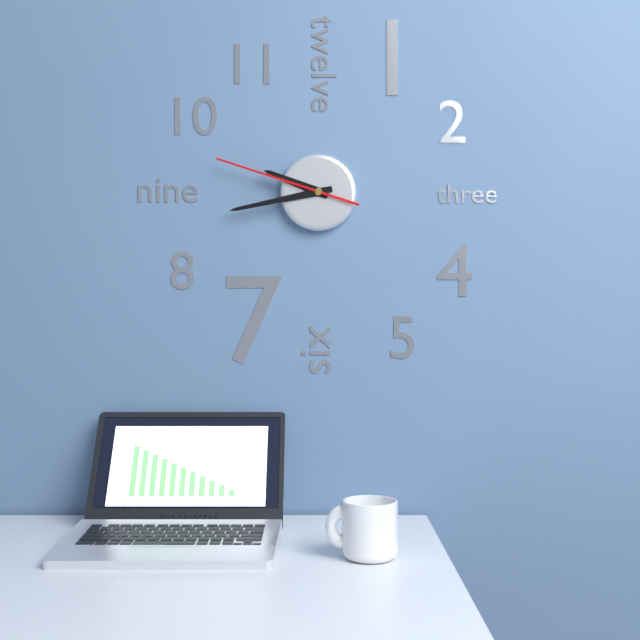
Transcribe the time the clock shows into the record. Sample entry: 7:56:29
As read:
9:43:48
